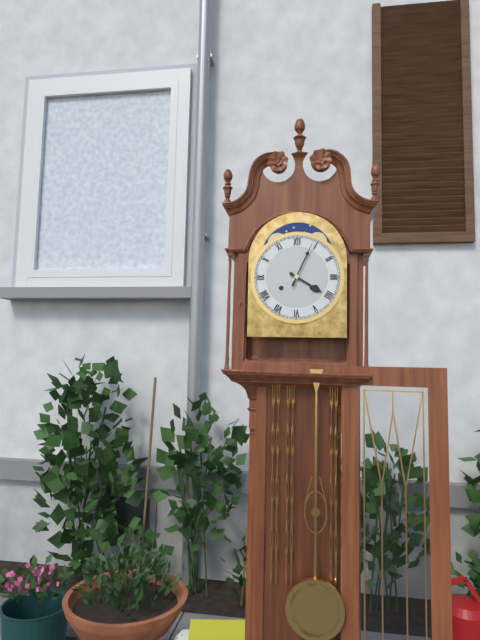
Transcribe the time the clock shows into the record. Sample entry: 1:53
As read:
4:04
